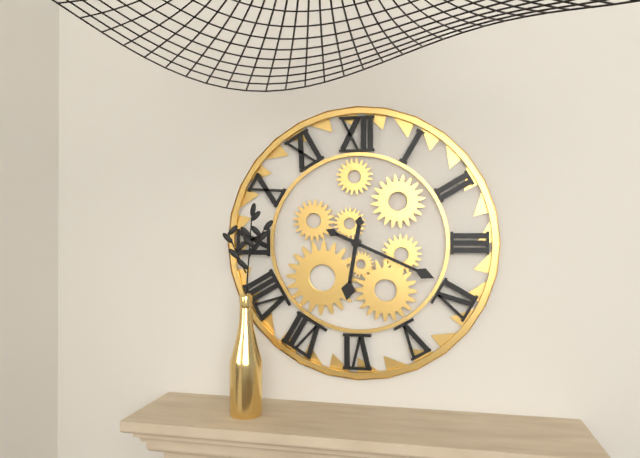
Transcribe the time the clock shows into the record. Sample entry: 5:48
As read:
6:19
